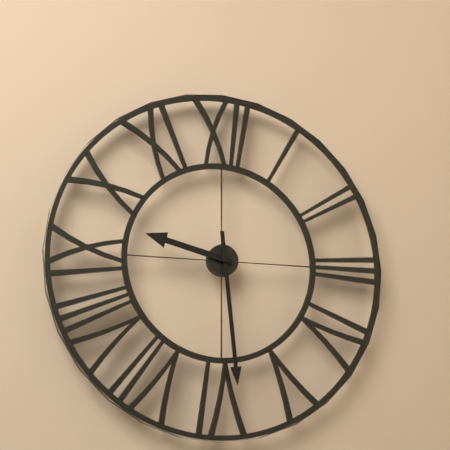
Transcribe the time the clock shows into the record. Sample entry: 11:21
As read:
9:29
